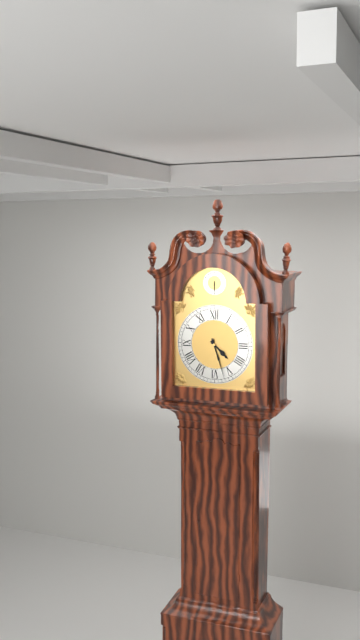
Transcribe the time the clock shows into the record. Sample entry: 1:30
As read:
4:27
